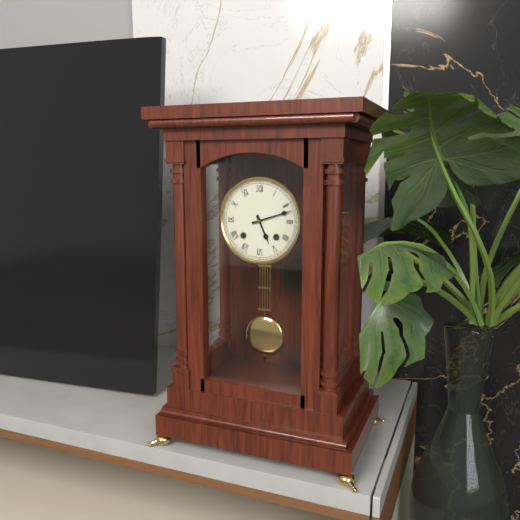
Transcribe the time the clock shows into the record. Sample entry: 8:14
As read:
5:12
